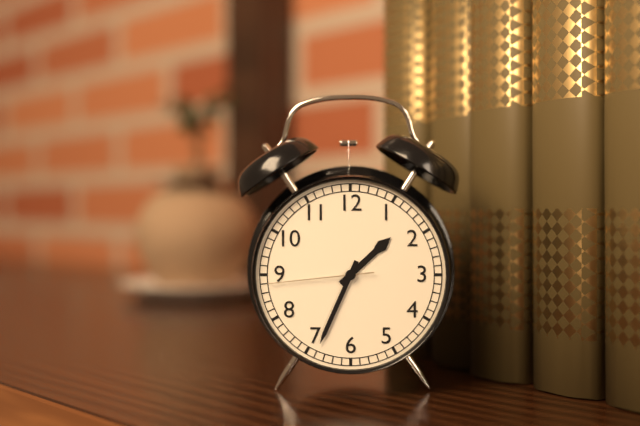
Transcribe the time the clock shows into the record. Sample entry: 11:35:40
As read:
1:34:44
